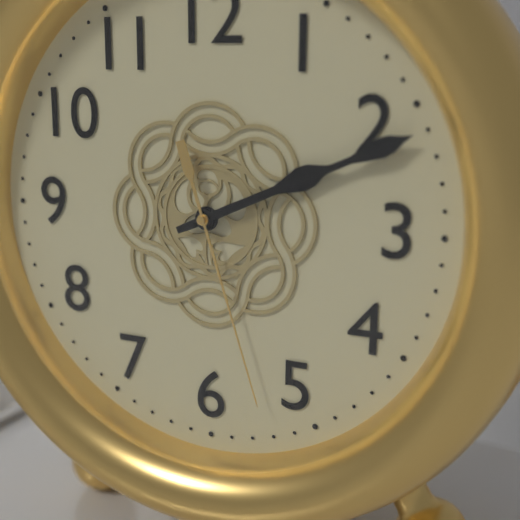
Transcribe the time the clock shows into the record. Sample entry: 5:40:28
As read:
2:11:27
